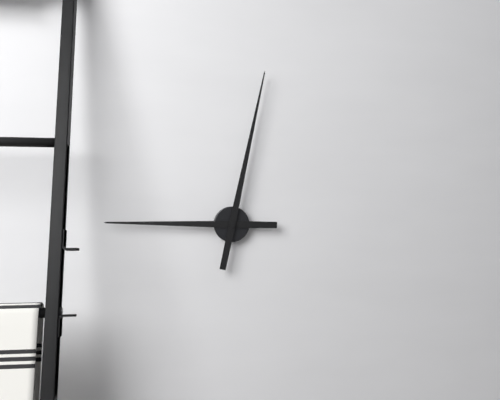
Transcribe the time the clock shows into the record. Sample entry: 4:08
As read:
9:02
